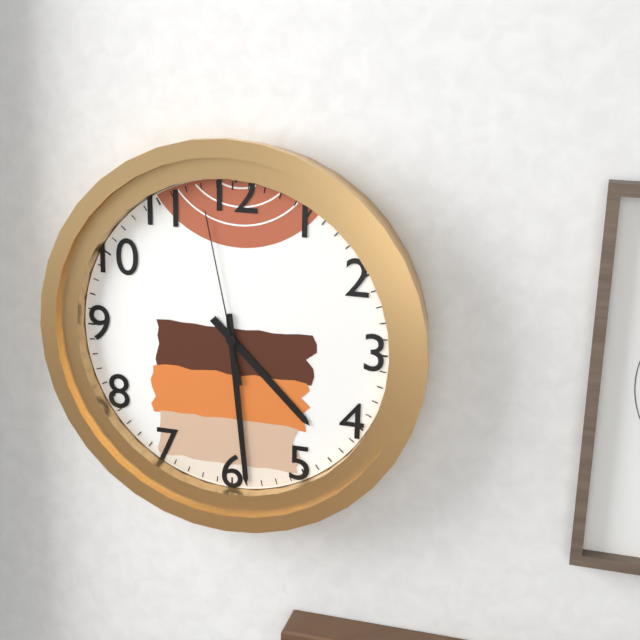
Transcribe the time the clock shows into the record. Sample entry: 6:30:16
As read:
4:29:58
